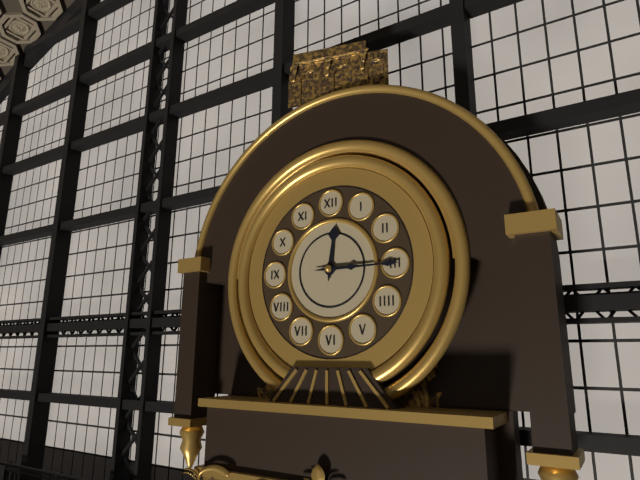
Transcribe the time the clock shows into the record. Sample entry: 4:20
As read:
12:15
